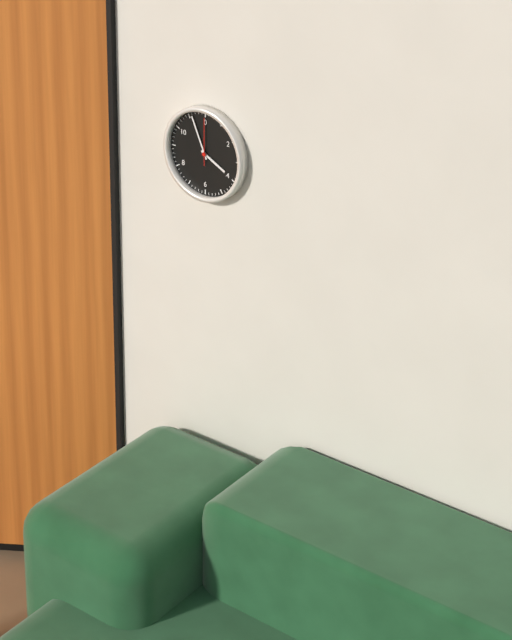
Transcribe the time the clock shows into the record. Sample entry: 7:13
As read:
3:56
